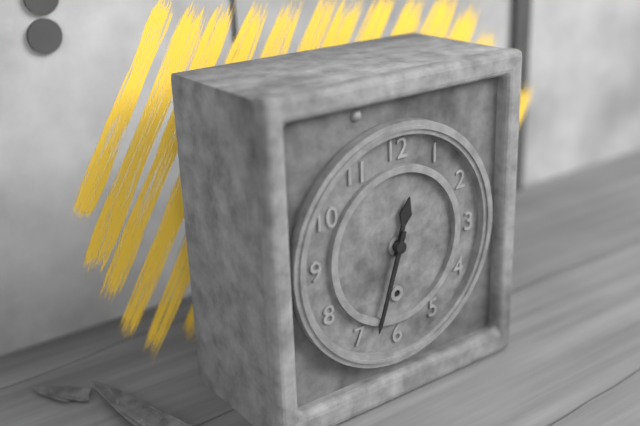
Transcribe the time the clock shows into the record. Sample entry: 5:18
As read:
12:33
